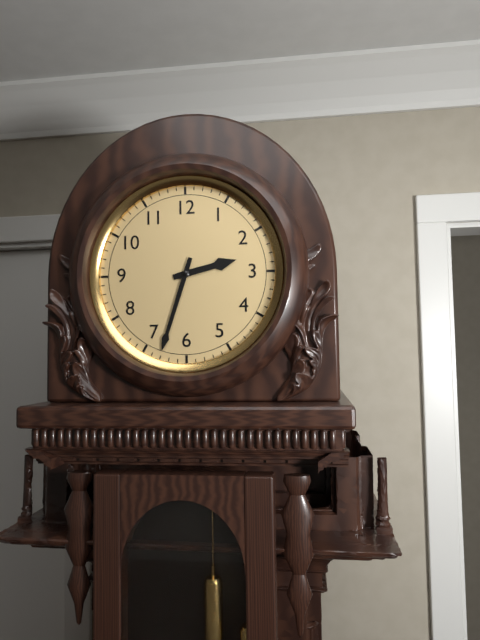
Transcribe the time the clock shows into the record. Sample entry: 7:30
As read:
2:33
